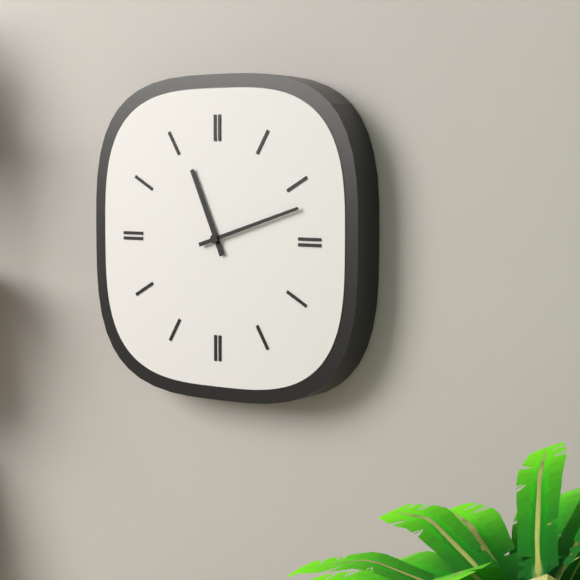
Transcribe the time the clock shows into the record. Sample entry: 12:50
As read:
11:12
